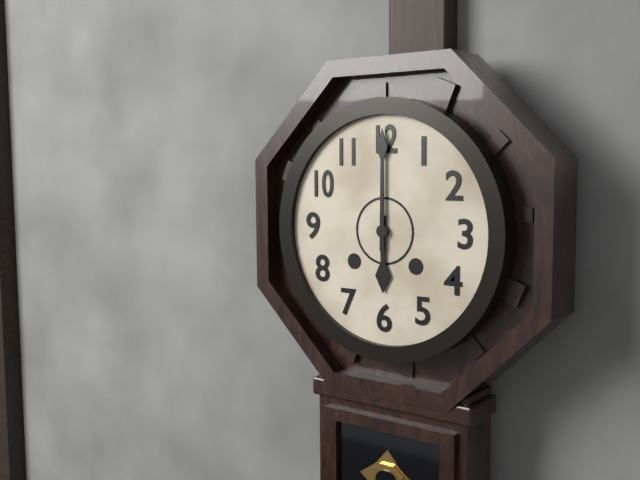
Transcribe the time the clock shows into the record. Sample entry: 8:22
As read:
6:00
